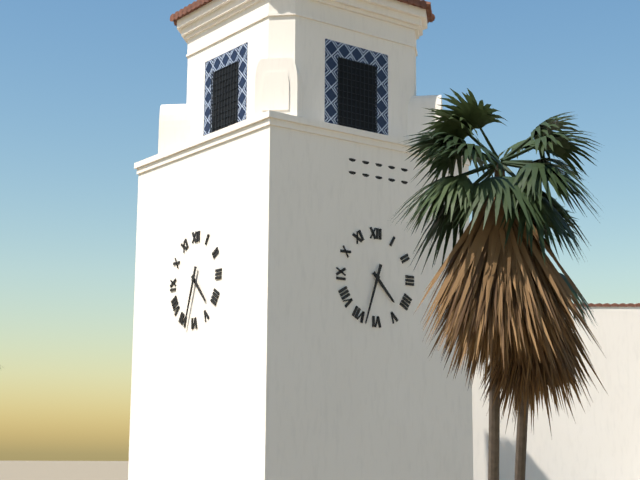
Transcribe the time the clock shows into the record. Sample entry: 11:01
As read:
4:33
